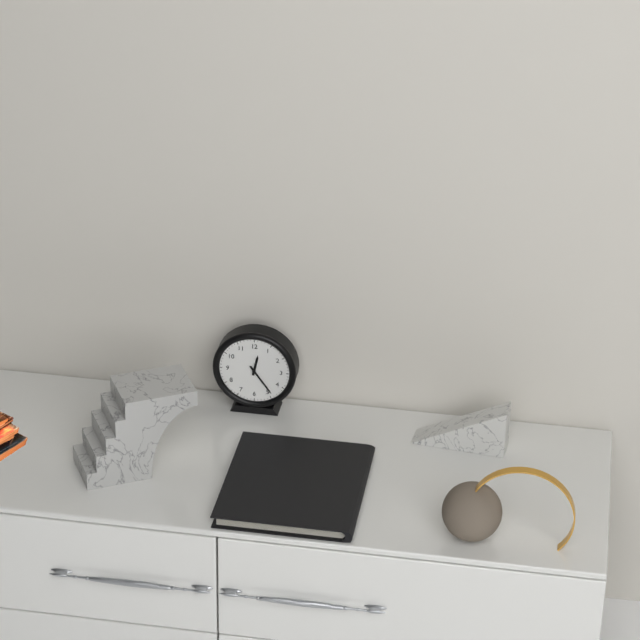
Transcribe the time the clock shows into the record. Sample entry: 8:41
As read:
12:24
